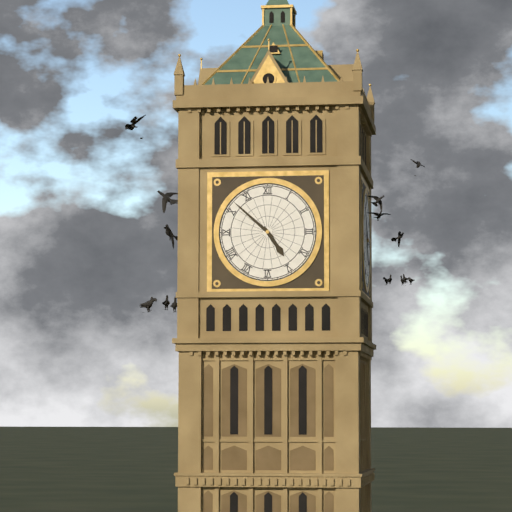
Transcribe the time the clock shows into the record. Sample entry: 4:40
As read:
4:52
